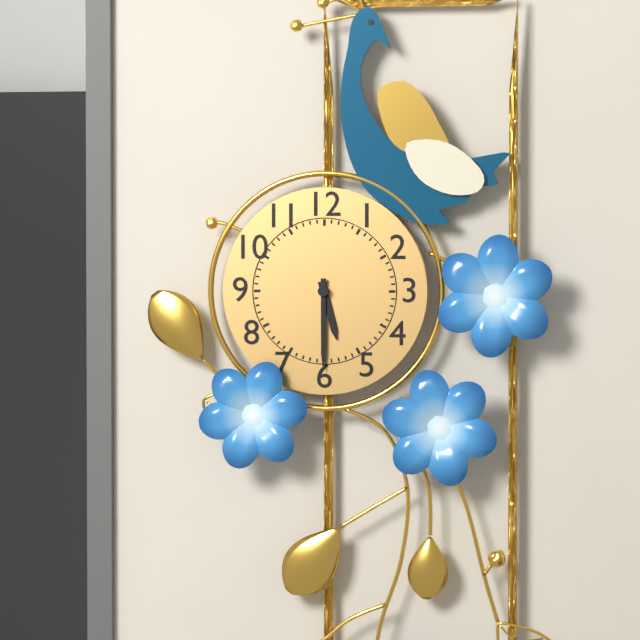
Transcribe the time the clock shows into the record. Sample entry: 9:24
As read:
5:30
